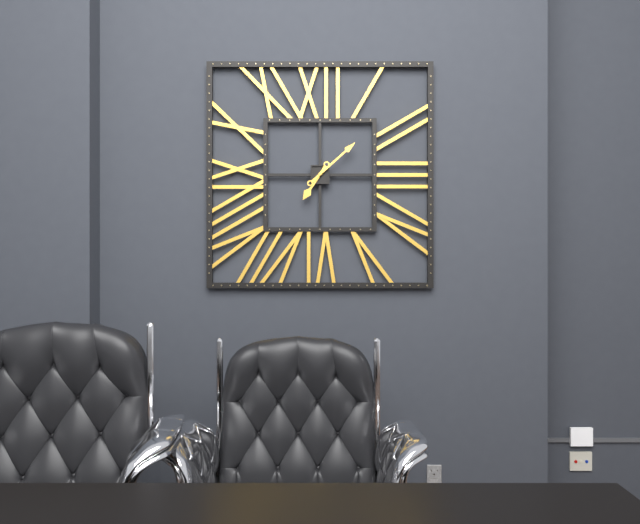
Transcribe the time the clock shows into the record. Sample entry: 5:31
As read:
7:08
